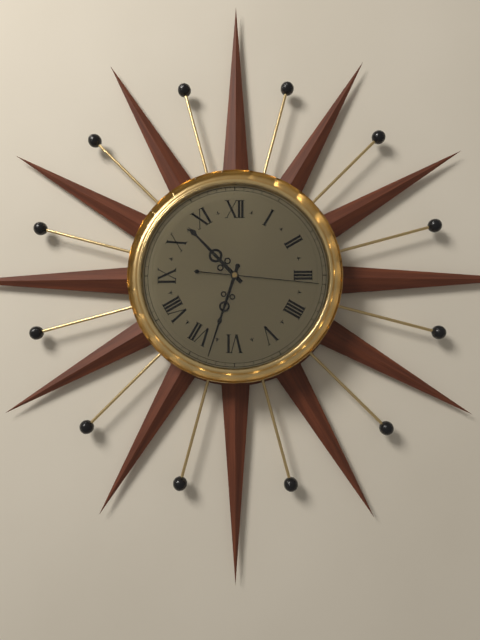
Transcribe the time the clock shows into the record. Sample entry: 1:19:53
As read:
10:33:16
